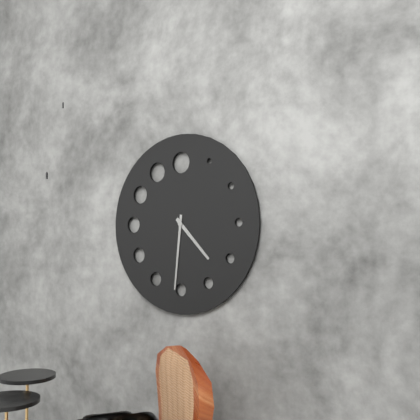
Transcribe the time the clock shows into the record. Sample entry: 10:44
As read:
4:31
